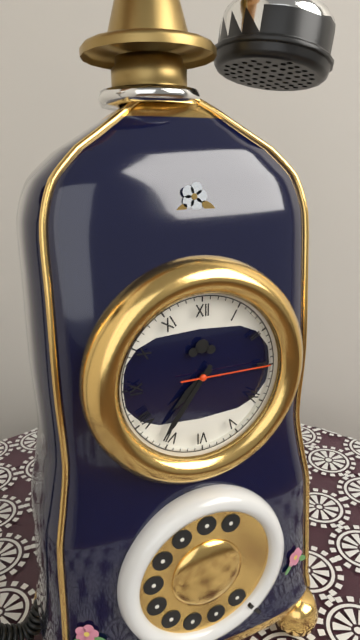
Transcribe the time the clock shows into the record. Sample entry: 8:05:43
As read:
7:36:15
